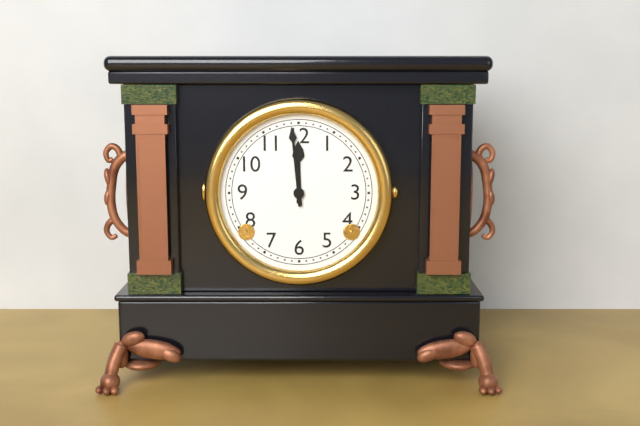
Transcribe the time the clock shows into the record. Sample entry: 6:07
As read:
11:59
